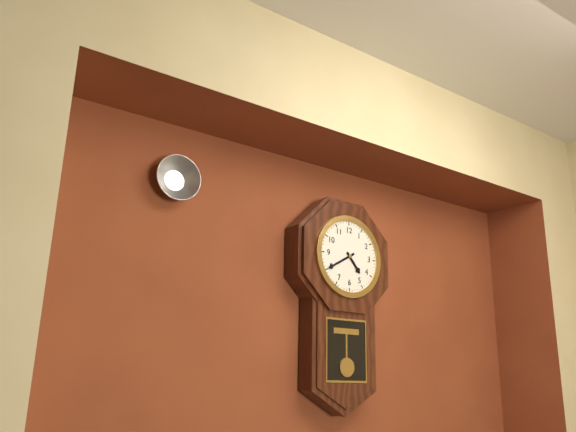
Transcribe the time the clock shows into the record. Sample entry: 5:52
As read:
4:40
